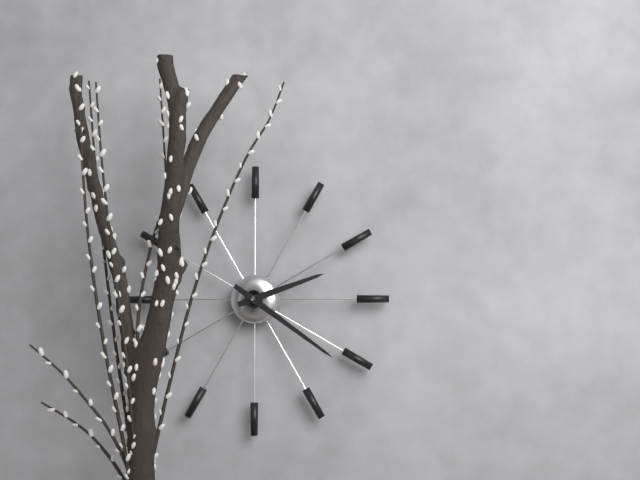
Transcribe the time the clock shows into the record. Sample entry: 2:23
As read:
2:21
